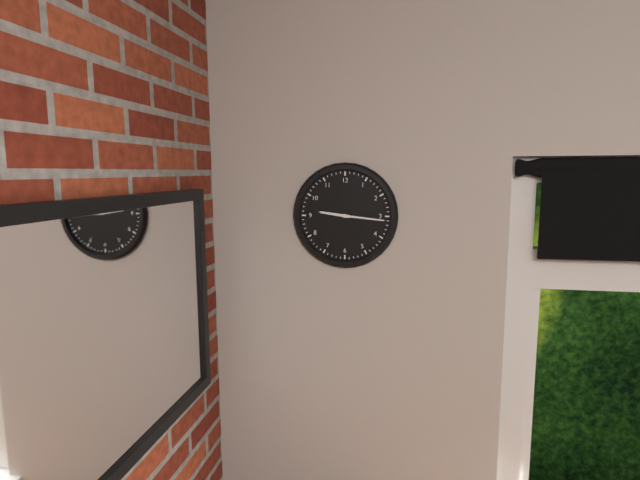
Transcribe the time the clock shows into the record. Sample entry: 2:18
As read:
9:16
